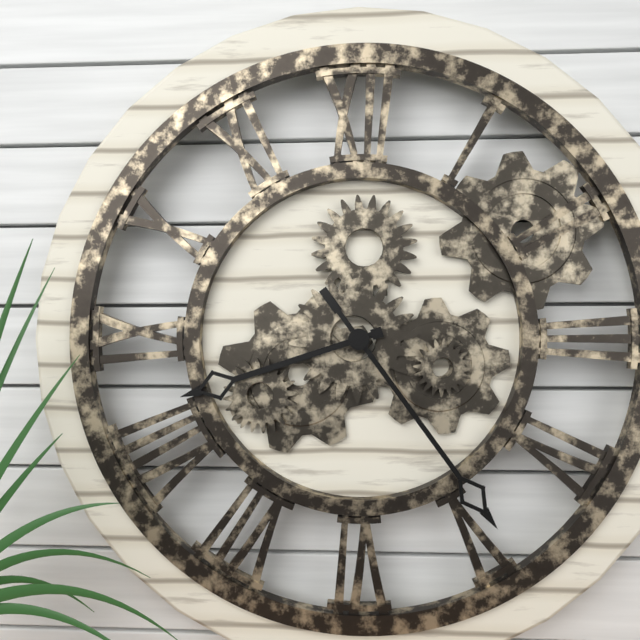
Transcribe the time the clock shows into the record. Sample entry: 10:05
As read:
8:24
